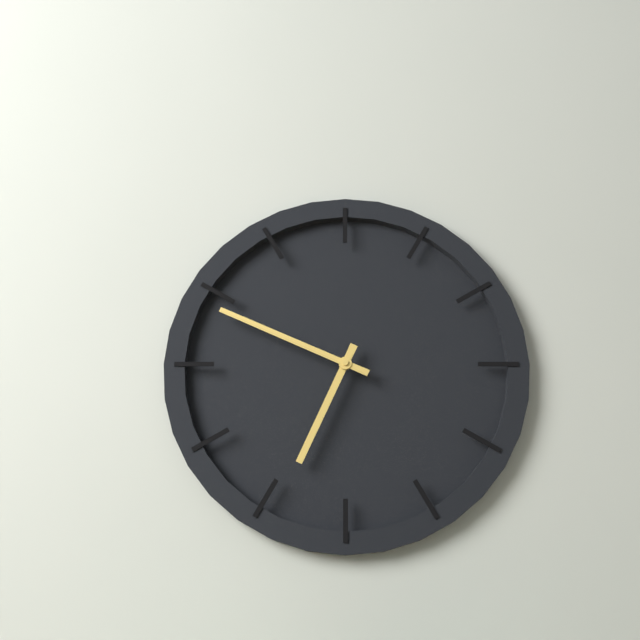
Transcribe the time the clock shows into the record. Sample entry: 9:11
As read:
6:49
